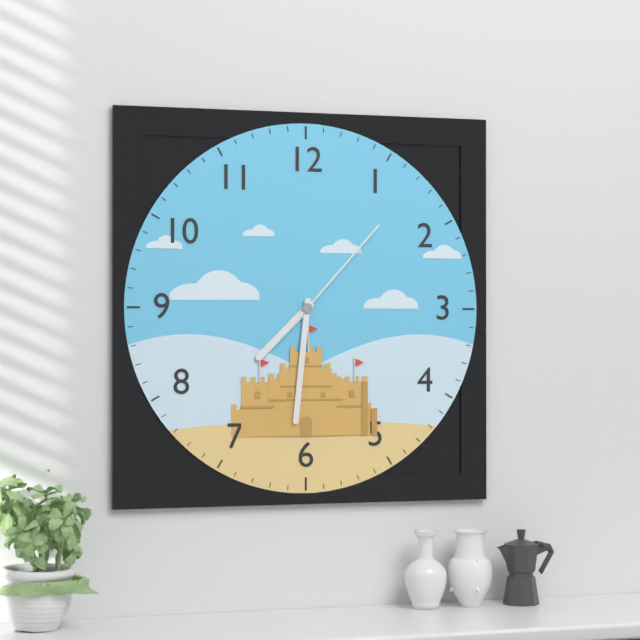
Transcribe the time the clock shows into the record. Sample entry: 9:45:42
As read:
7:31:07
